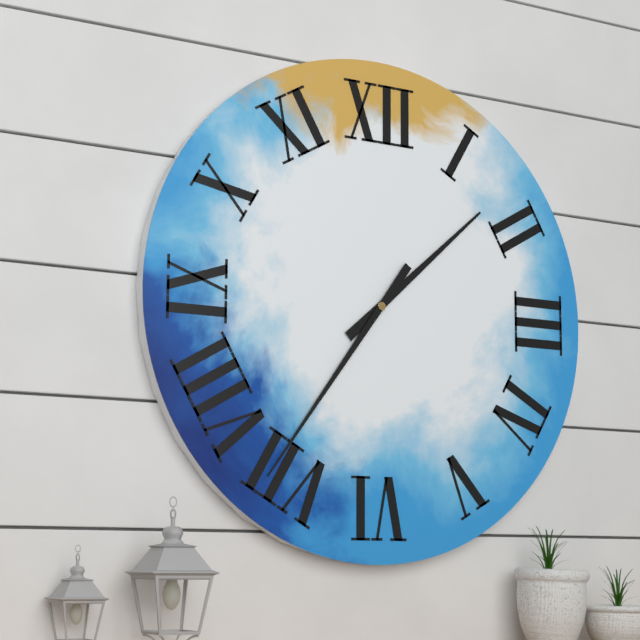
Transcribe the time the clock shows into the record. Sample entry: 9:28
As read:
1:36
